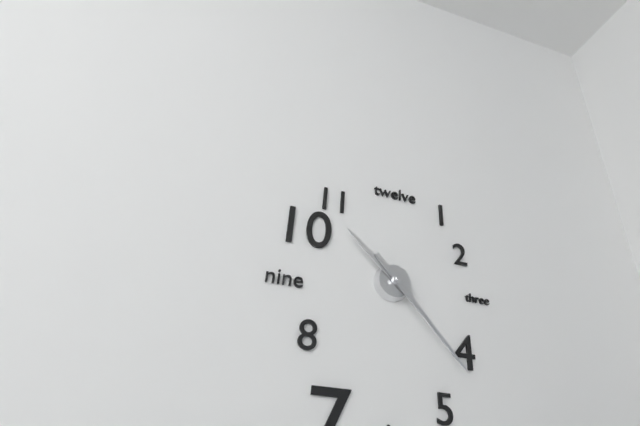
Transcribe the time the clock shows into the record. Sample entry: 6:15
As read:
10:23
